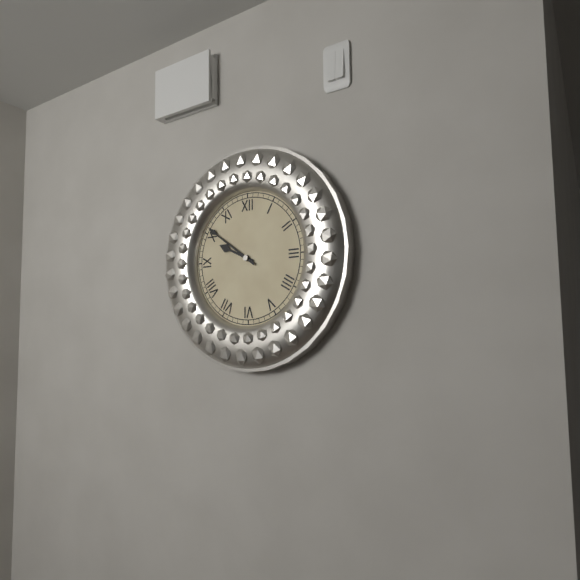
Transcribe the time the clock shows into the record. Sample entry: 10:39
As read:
9:51
